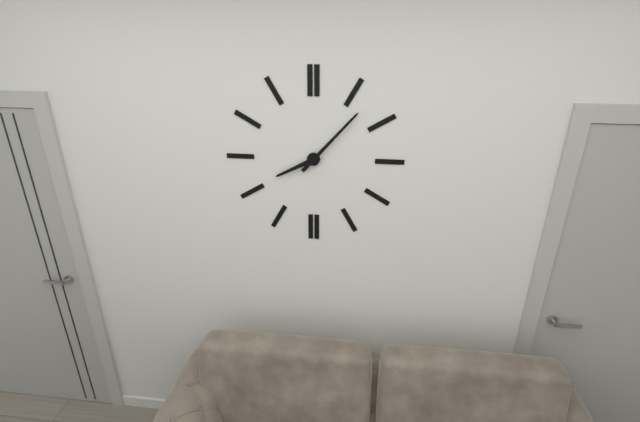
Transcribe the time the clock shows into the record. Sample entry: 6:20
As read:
8:07
